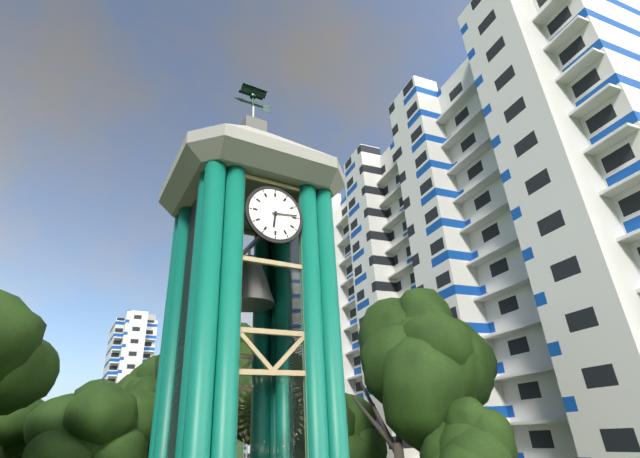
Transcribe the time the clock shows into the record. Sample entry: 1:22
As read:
6:14
